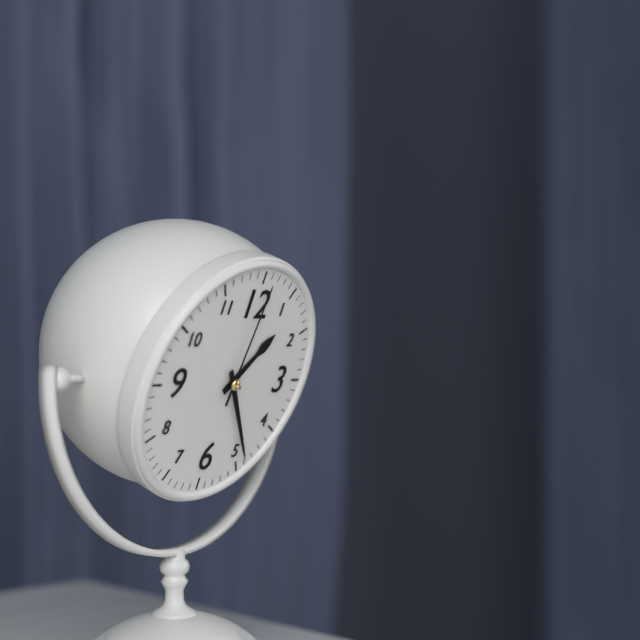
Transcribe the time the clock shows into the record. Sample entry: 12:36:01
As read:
1:24:01
